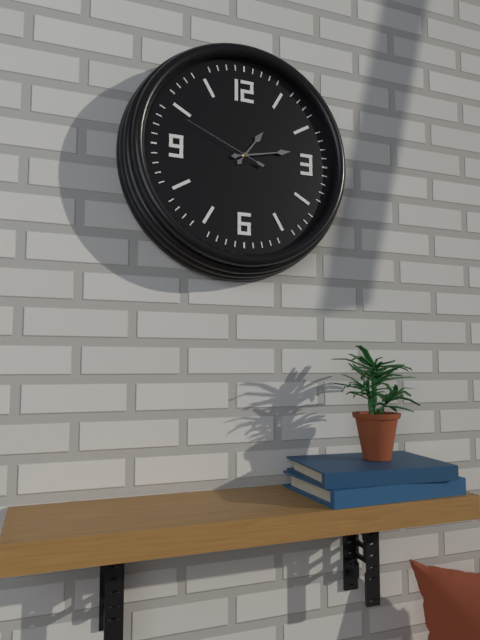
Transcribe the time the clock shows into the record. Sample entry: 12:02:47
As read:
1:13:49
